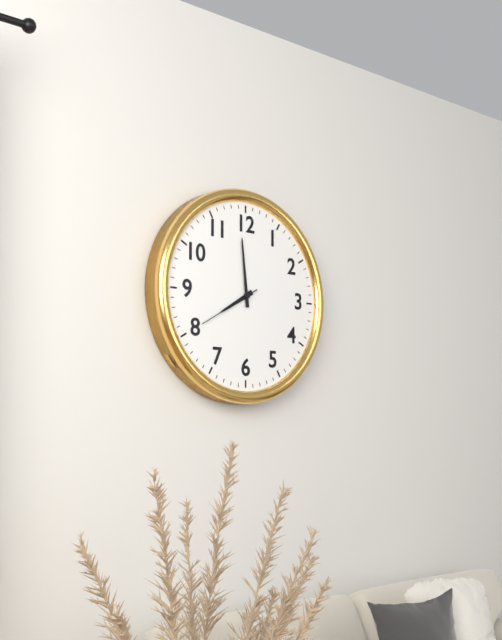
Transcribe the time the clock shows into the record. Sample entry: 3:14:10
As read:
7:59:40
